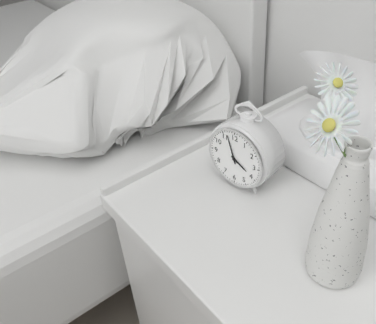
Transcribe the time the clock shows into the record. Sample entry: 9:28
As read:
3:57
